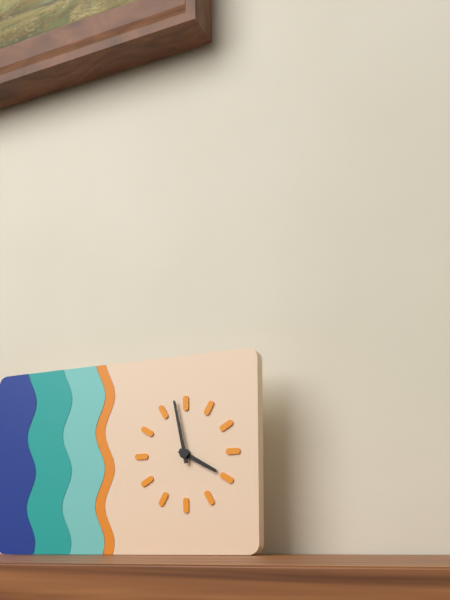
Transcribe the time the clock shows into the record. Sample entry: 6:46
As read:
3:58
